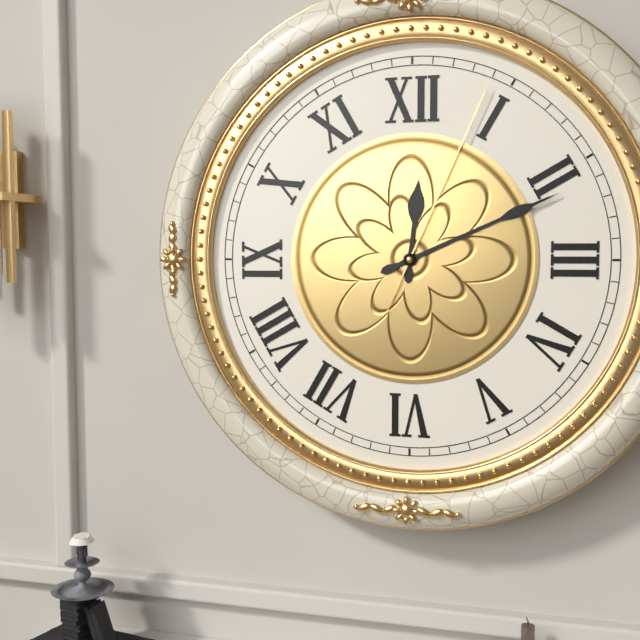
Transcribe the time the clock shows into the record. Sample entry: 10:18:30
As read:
12:11:04
